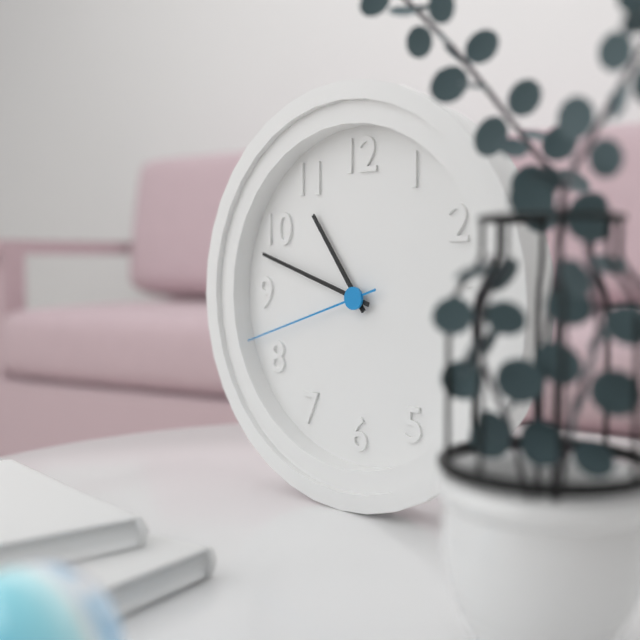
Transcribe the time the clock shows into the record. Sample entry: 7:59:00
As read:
10:48:42
